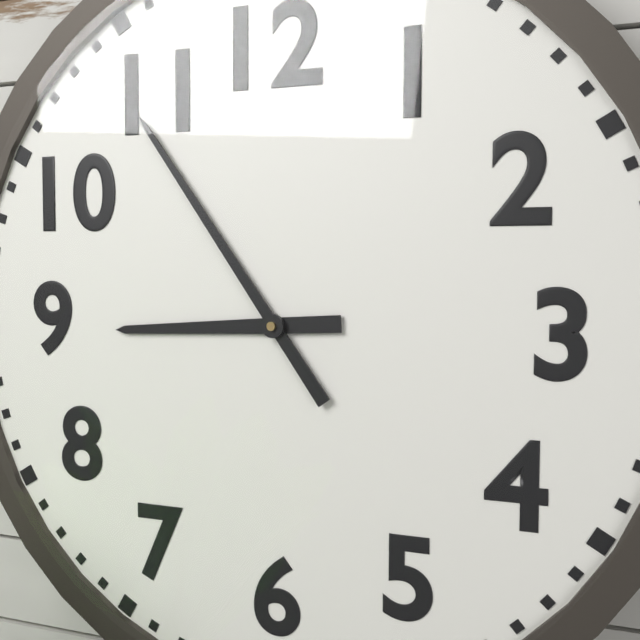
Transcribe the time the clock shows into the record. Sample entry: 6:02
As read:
8:54
